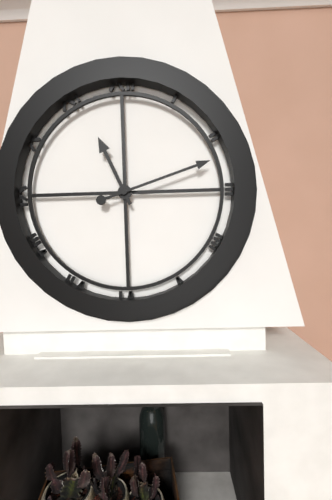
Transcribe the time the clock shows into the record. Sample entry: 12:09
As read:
11:12
